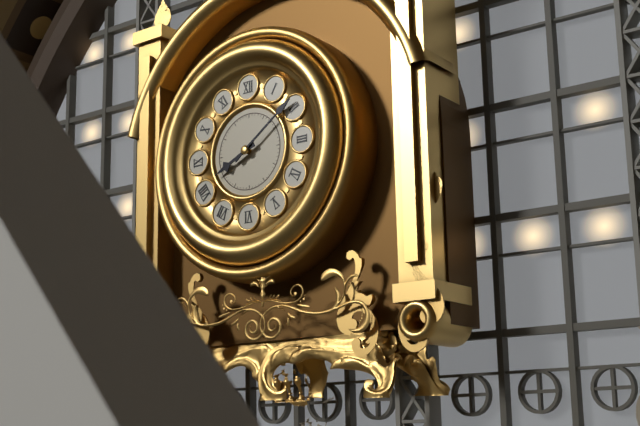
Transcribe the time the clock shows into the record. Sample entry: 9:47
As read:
8:09
